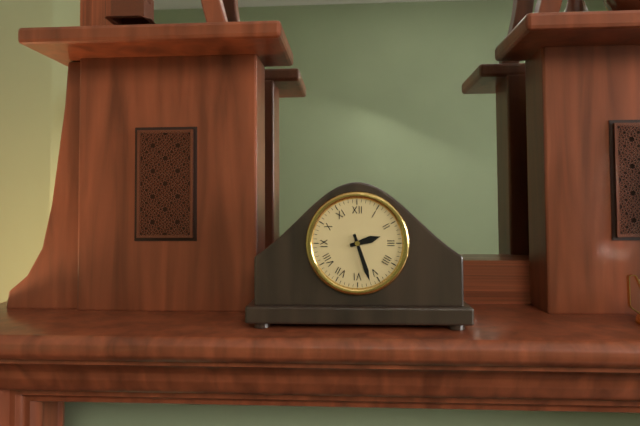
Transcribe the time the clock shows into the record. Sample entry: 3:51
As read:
2:27
